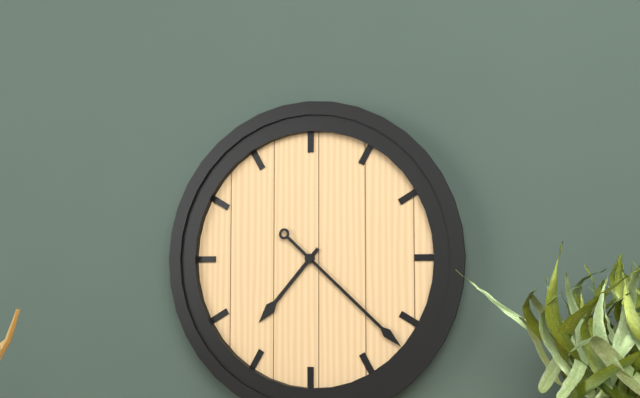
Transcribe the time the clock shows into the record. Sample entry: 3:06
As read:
7:22
